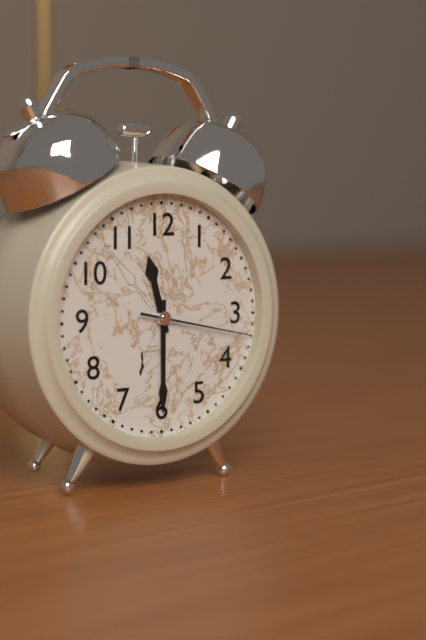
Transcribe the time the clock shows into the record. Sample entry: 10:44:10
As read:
11:30:17
